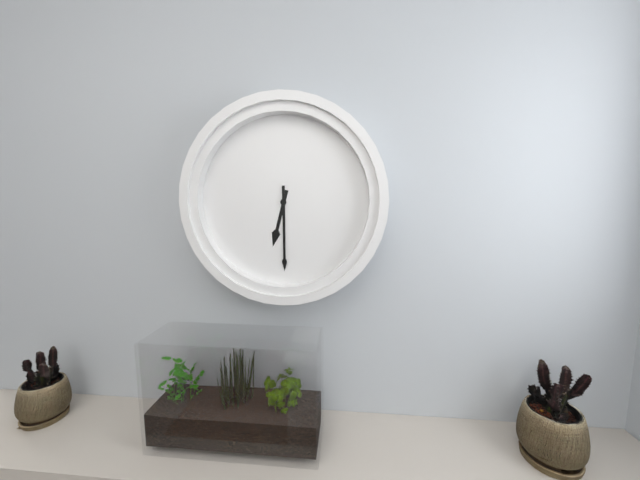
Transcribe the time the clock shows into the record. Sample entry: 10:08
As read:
6:30
